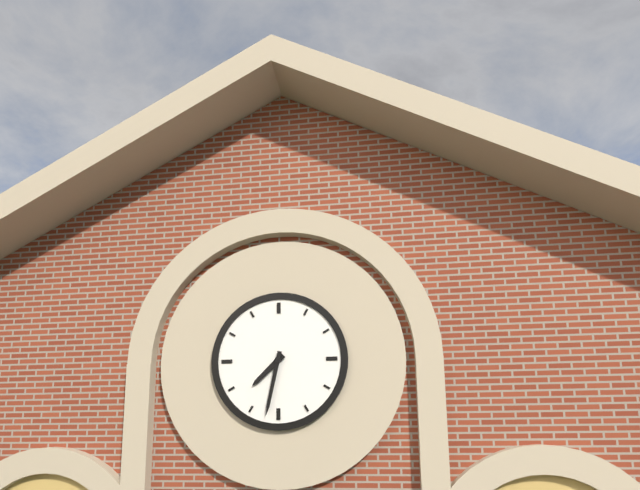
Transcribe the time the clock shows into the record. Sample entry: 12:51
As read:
7:32
